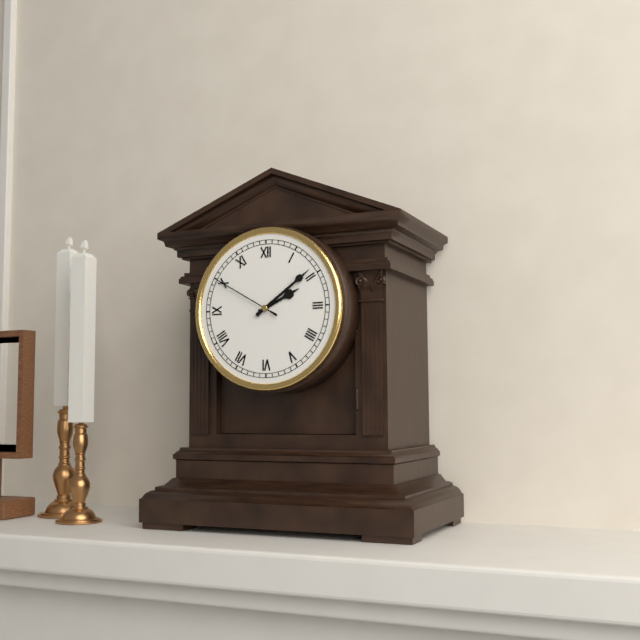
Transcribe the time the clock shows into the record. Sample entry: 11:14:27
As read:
2:09:50
